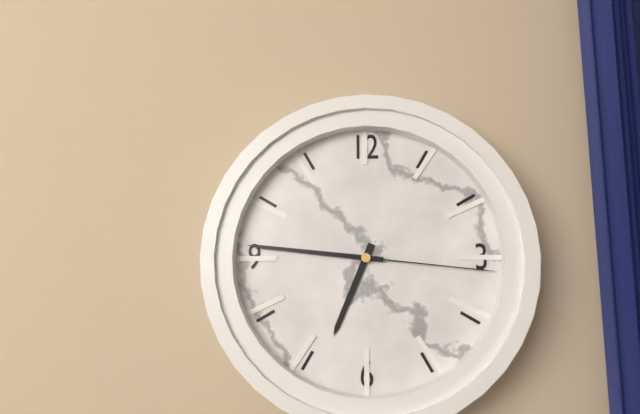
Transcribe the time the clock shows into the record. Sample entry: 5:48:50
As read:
6:46:16
